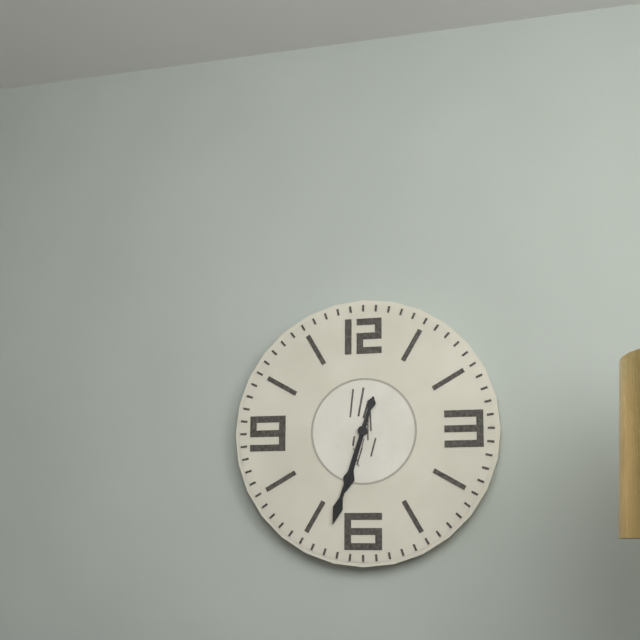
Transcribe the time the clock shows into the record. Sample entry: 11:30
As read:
6:33
